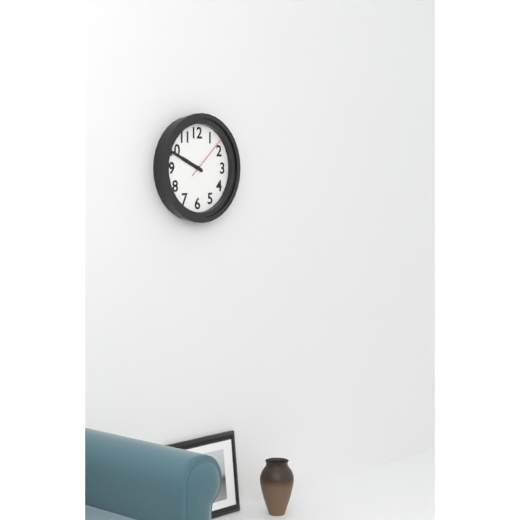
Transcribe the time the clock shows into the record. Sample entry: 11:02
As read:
9:49
